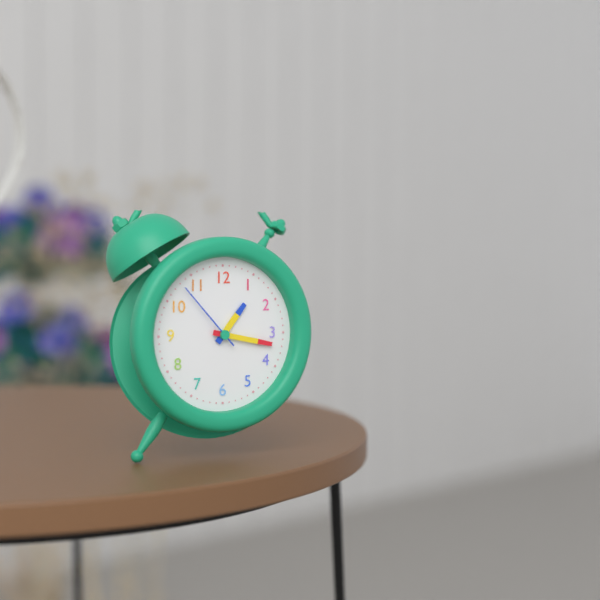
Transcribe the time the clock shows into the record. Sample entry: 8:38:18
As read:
1:17:53
